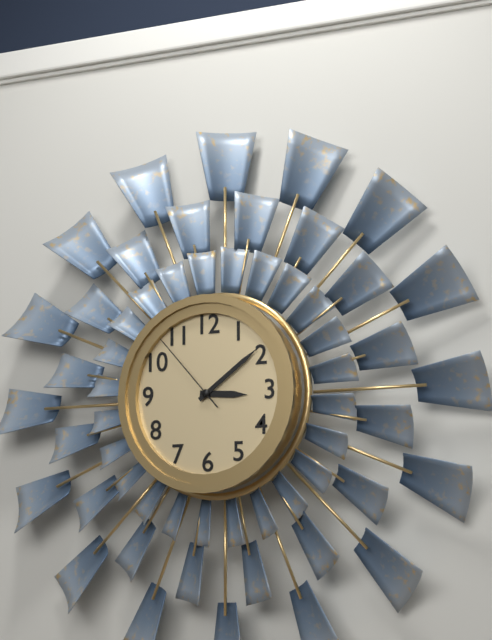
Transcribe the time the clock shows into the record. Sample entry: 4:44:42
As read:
3:09:53
